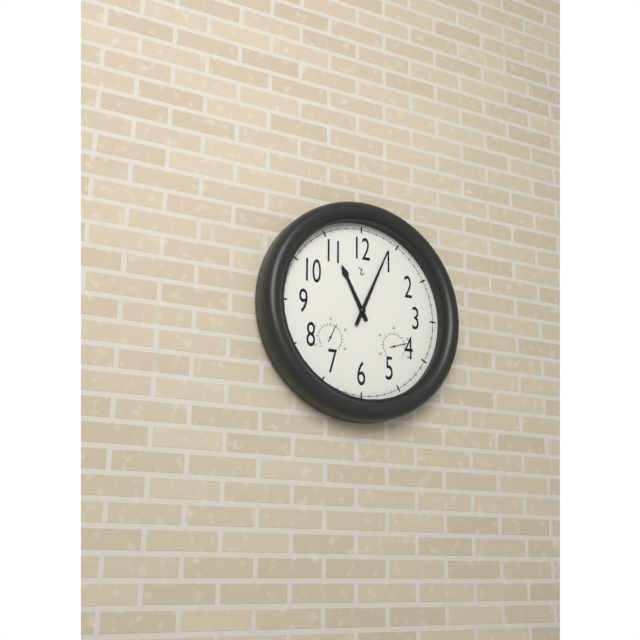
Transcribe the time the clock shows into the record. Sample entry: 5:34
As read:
11:04
